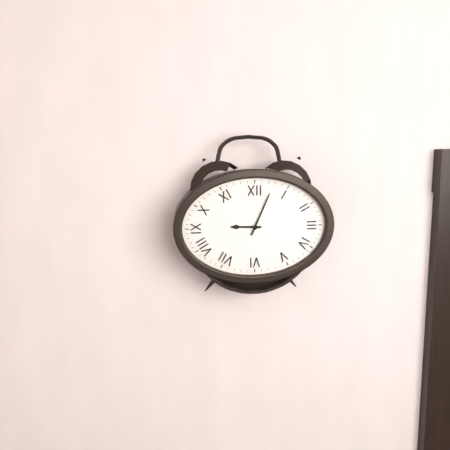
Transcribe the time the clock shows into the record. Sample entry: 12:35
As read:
9:04
